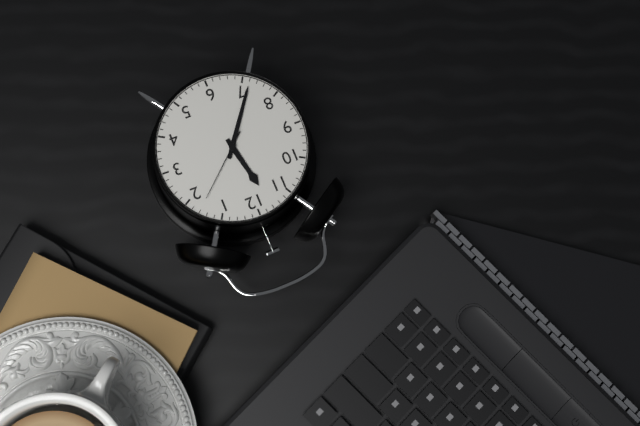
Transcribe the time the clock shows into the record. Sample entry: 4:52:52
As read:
11:36:08
